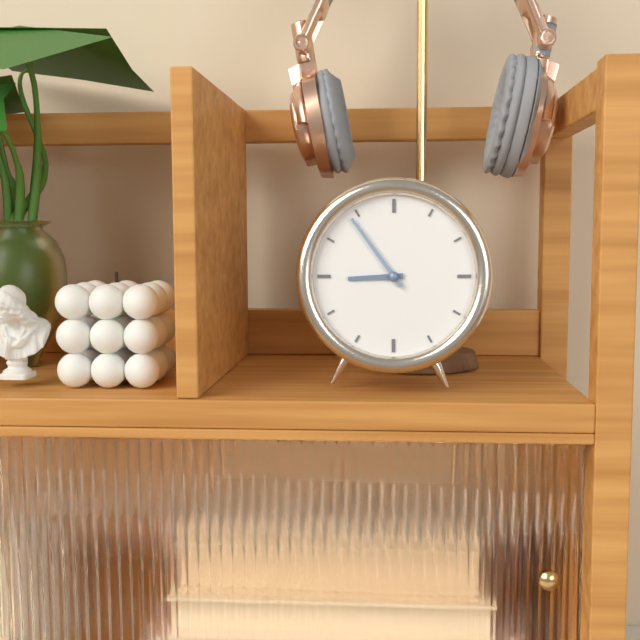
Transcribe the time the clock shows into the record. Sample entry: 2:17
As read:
8:54
